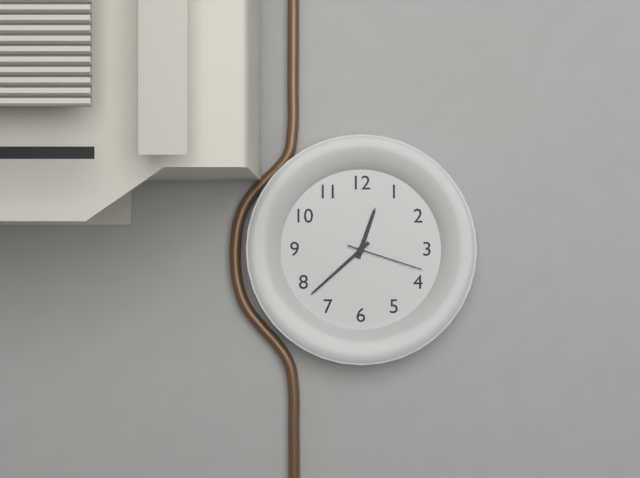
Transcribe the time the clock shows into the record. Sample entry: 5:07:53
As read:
12:38:18
